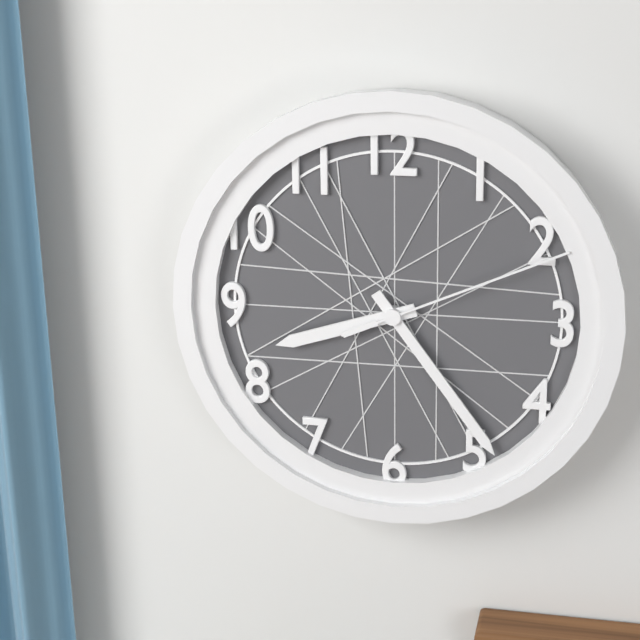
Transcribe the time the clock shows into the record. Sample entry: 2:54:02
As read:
8:24:11
